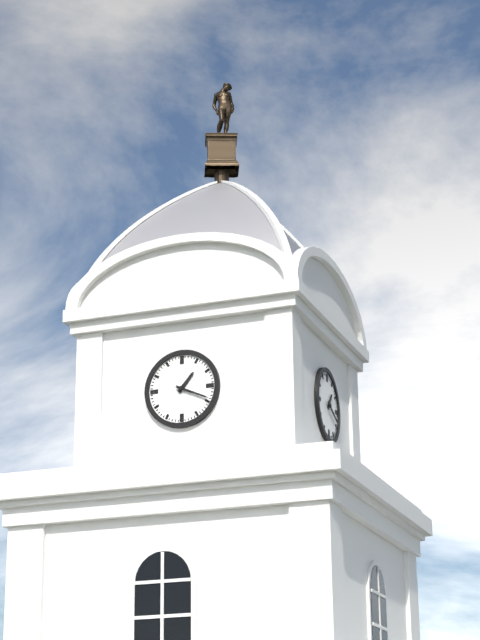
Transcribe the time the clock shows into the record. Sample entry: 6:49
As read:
1:19
